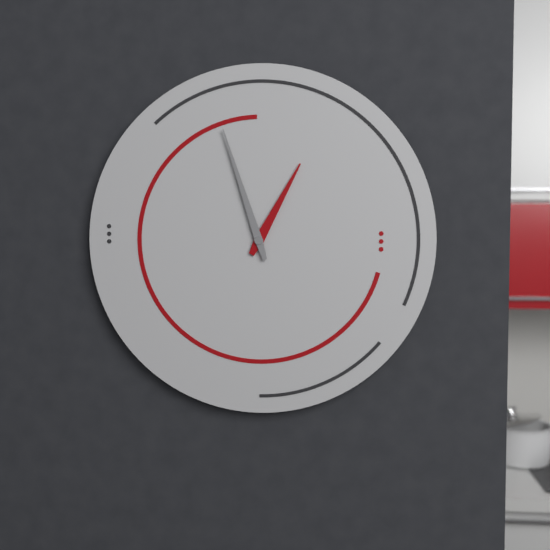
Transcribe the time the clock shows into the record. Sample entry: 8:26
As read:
12:57
